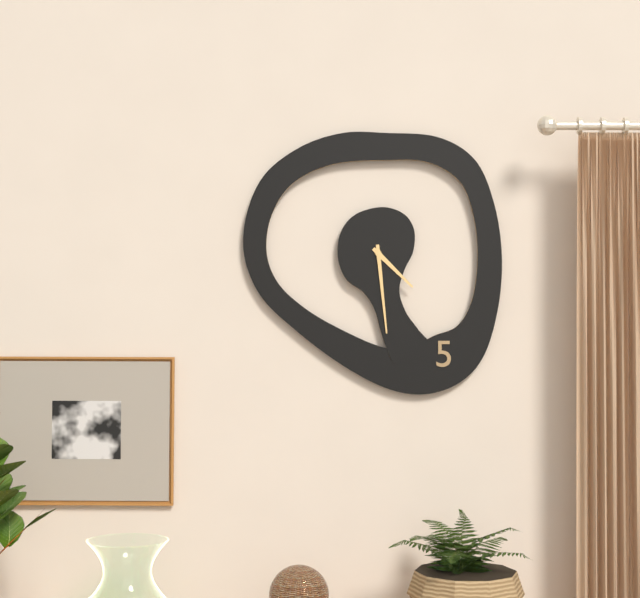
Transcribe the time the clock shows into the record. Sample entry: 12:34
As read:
4:29
